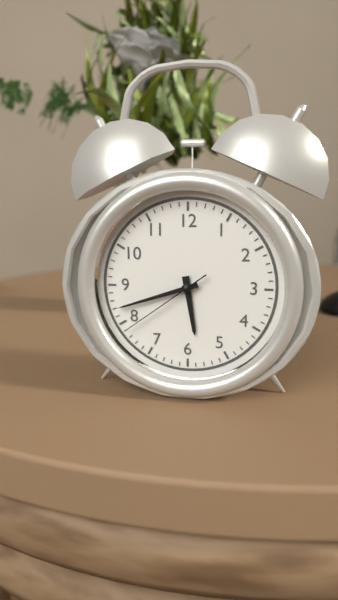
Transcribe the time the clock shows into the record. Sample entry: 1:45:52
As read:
5:42:39
